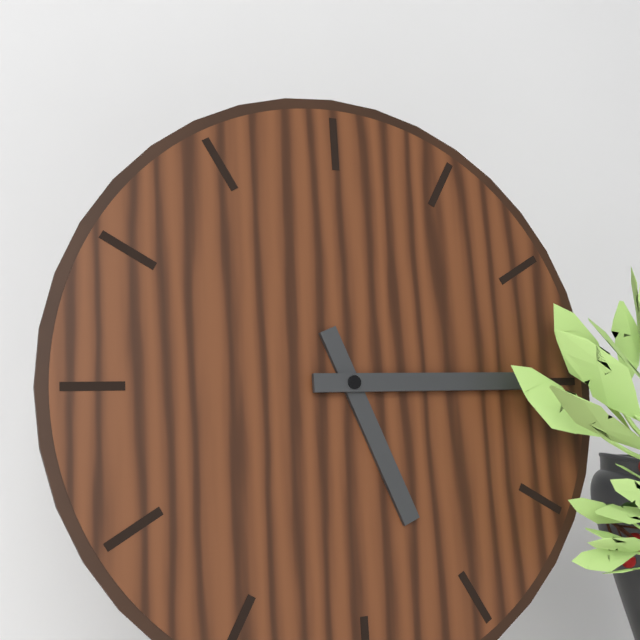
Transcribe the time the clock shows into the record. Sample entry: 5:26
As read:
5:15
